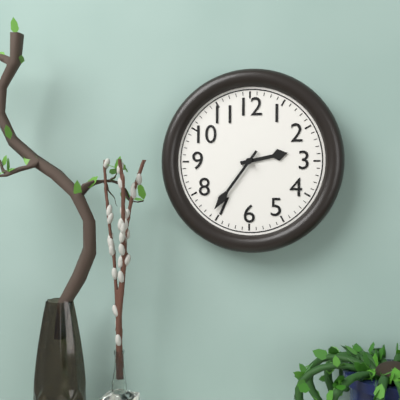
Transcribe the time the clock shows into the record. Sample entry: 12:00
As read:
2:36
